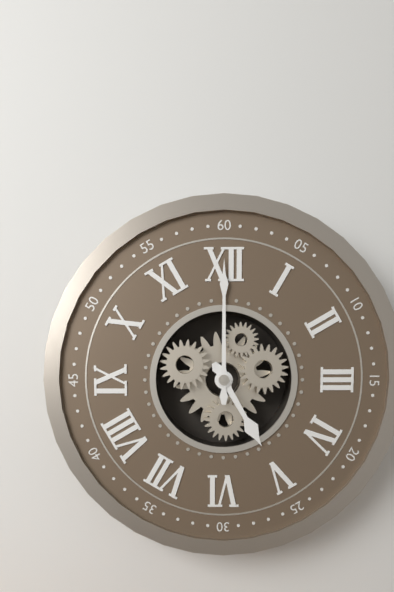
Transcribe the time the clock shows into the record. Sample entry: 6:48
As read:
5:00
